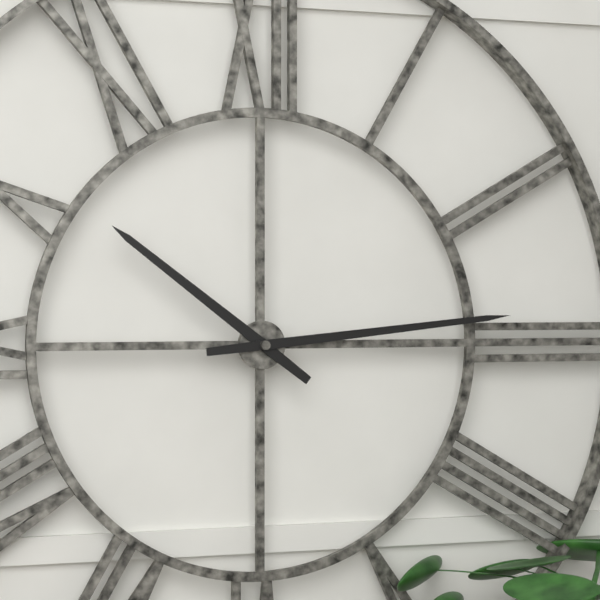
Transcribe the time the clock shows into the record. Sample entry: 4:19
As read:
10:14
